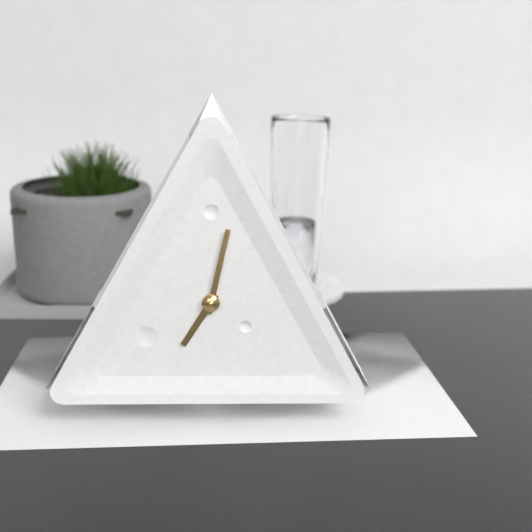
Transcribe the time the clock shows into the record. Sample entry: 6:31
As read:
7:02
